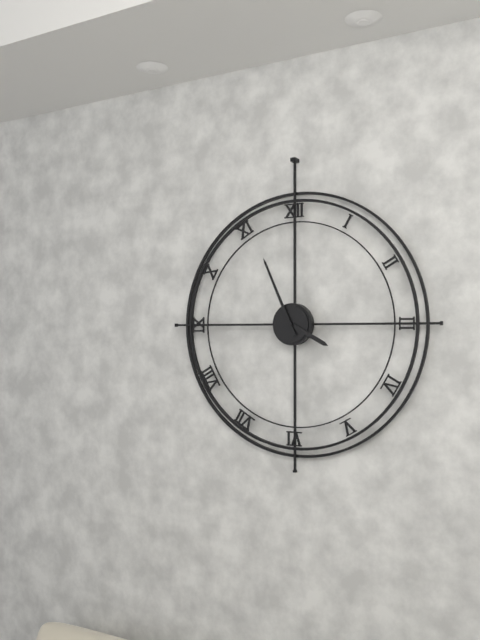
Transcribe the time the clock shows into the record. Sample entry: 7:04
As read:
3:56
